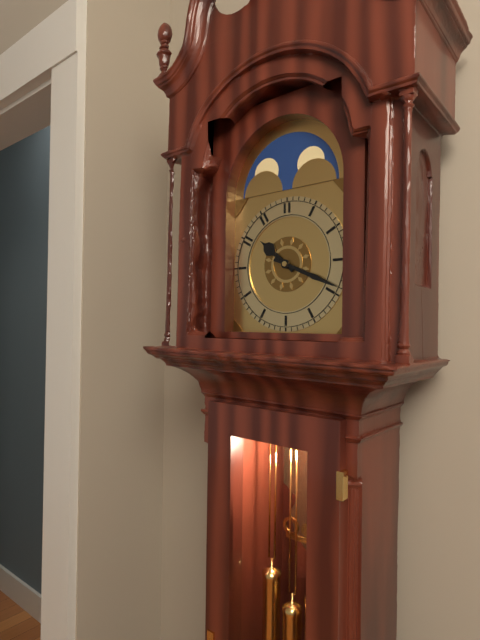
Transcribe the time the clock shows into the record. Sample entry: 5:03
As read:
10:19
